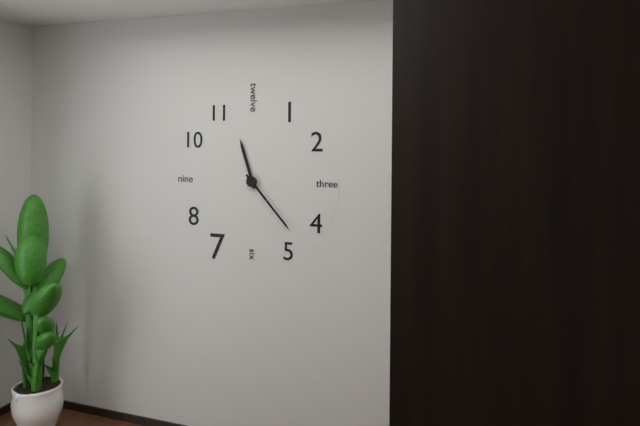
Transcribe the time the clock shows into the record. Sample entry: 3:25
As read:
11:23
